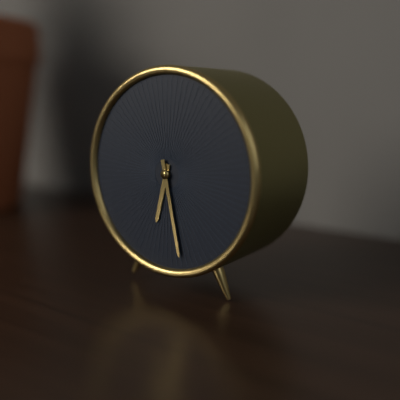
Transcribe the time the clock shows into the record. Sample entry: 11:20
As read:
6:28
